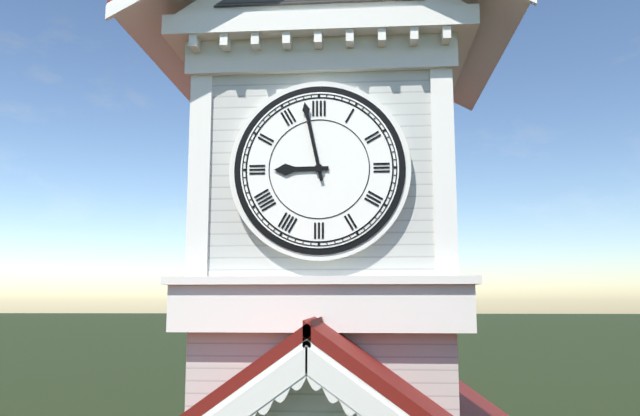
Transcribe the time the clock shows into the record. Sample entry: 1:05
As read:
8:58
